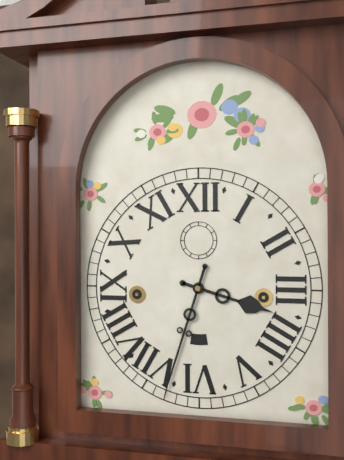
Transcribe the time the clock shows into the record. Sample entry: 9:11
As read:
3:33
